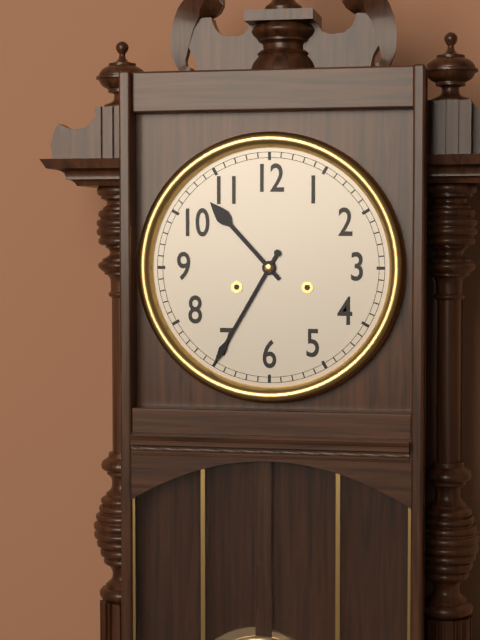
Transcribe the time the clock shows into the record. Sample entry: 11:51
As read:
10:35
